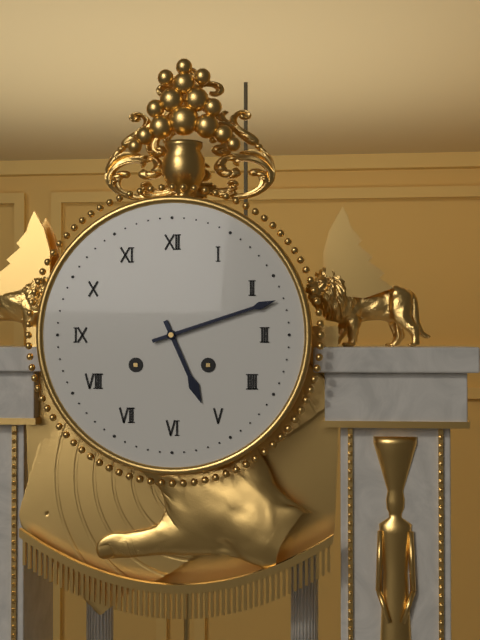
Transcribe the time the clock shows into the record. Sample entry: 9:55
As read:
5:12
